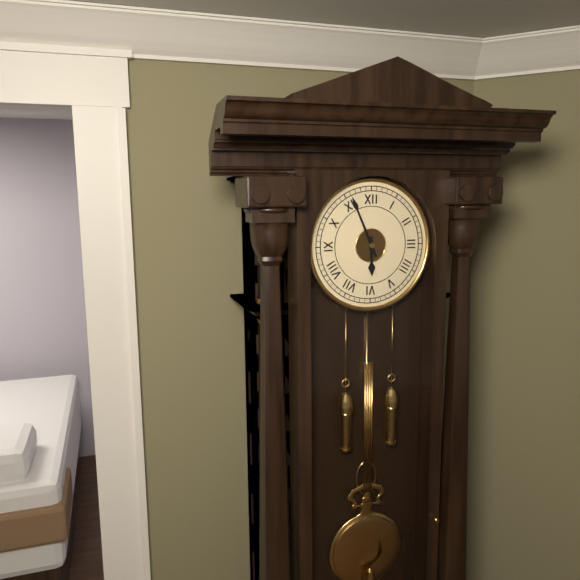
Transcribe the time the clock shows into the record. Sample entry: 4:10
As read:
5:56
